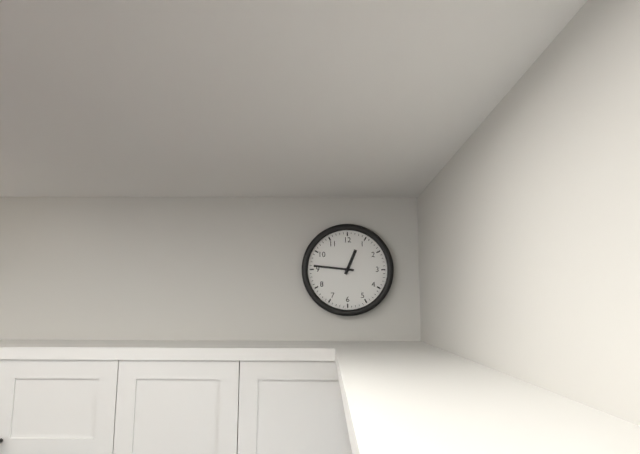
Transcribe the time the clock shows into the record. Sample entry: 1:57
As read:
12:46
